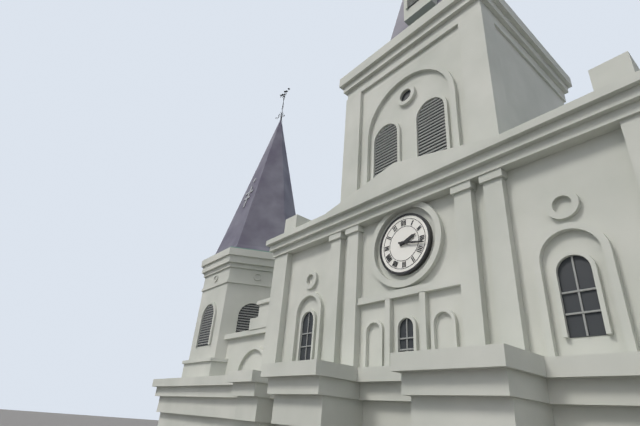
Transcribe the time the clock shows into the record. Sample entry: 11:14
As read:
2:17
